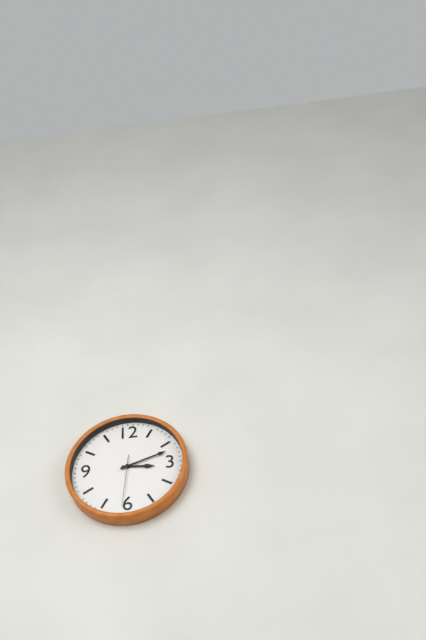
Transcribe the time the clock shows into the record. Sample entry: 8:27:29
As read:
3:12:31
